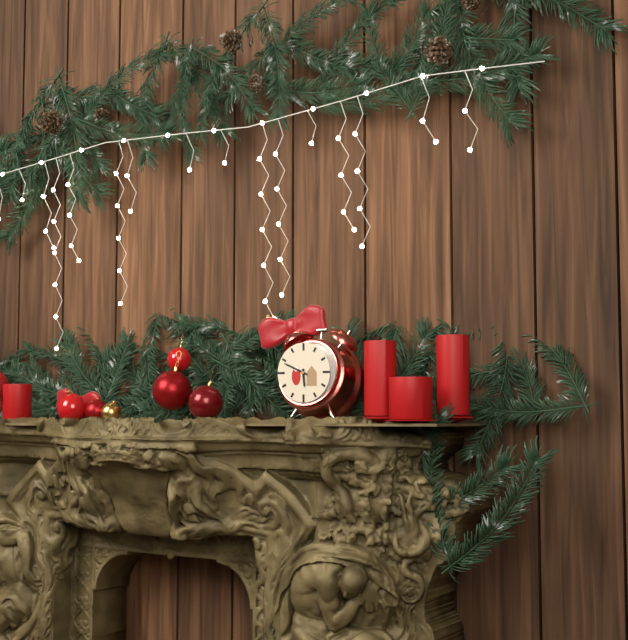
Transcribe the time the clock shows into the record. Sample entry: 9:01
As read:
5:49
